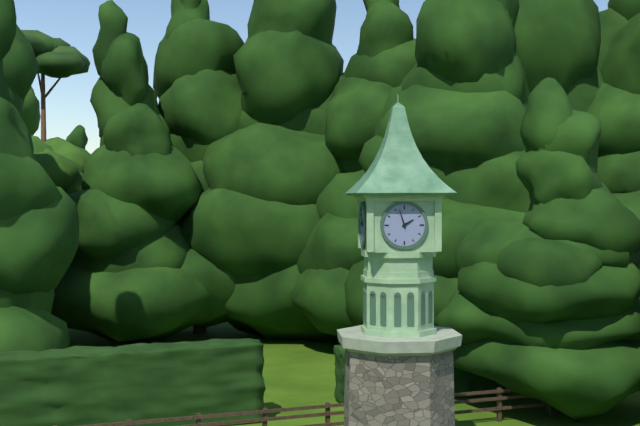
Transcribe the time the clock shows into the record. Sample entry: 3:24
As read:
1:57
